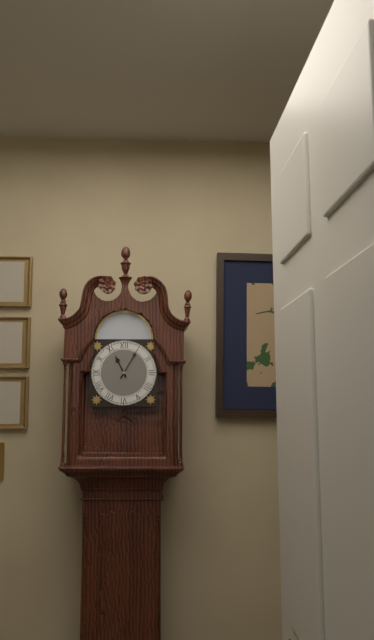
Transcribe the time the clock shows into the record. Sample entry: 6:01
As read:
11:05
